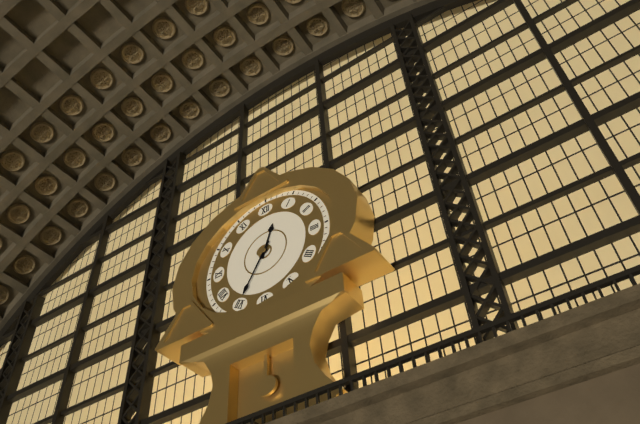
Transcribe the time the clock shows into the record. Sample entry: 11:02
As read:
12:35
